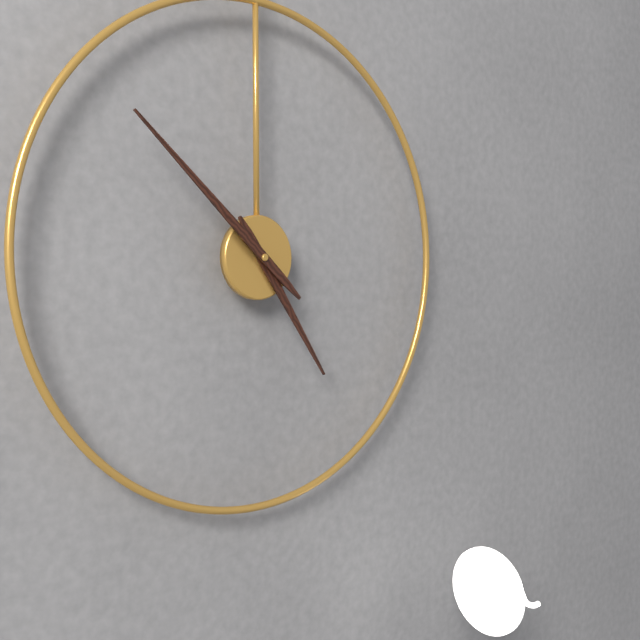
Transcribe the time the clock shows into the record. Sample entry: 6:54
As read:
4:52
